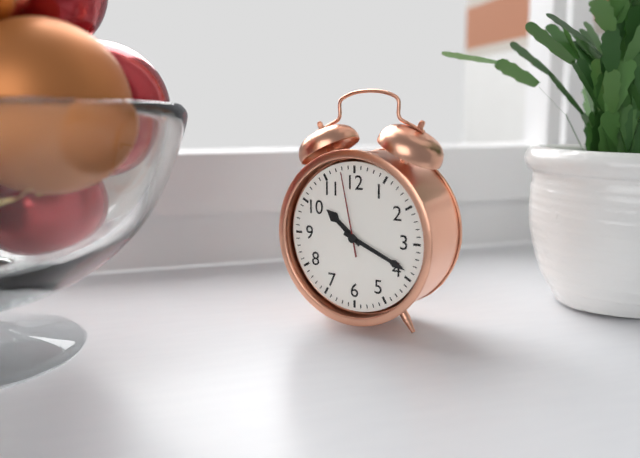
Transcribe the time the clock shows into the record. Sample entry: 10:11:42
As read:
10:19:58
